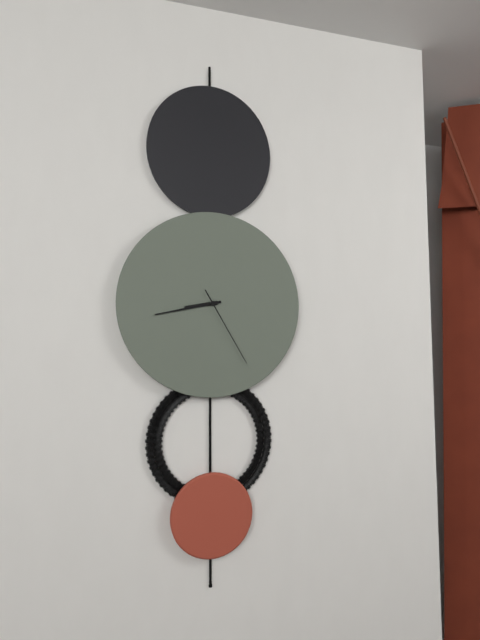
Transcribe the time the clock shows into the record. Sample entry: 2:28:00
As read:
8:43:25
